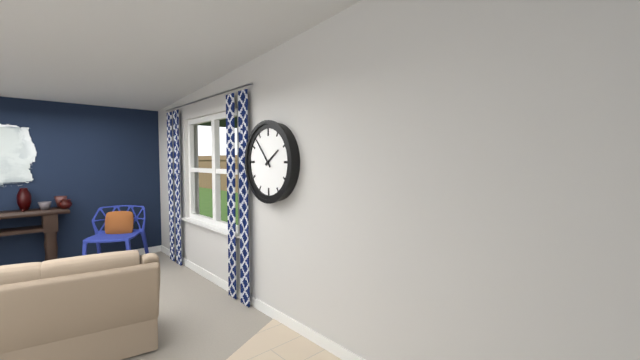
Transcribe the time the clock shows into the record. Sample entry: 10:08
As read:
1:53
